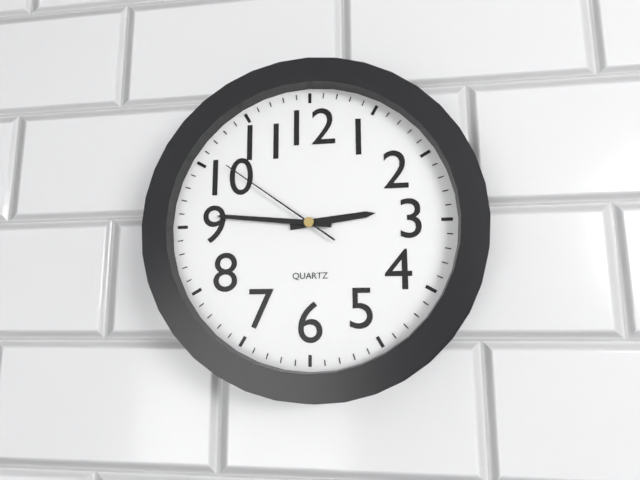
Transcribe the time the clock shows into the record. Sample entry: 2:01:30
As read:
2:46:51
